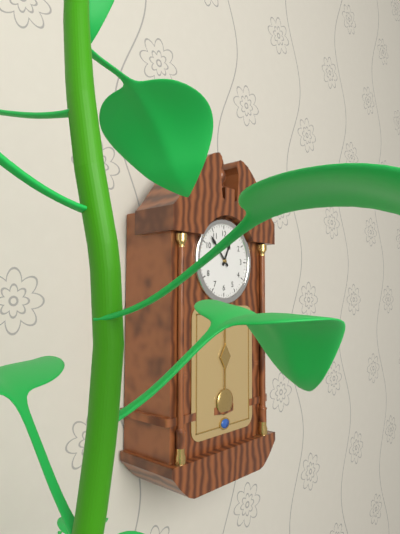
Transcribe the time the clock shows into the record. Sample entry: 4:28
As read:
12:53
